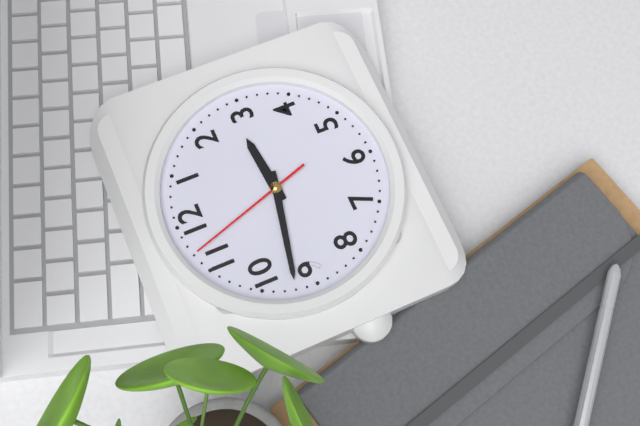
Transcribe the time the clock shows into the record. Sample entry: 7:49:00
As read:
2:47:57
